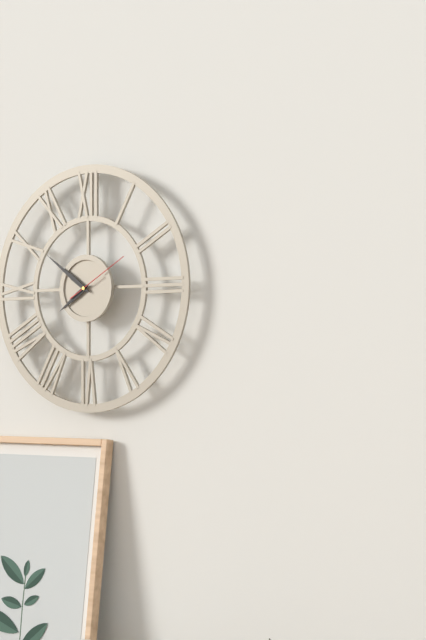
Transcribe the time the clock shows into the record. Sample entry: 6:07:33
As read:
7:51:10
